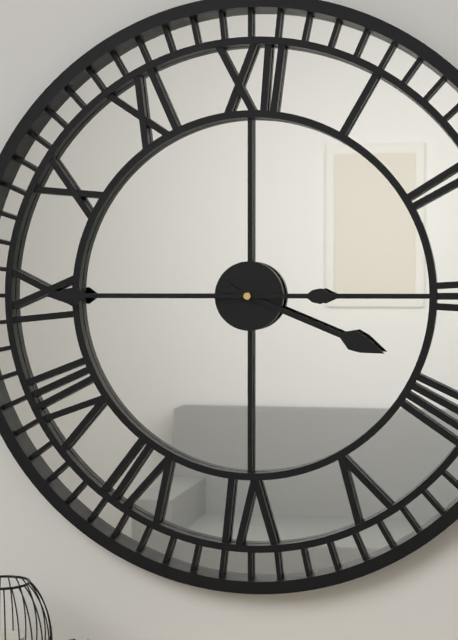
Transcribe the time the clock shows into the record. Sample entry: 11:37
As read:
3:45
